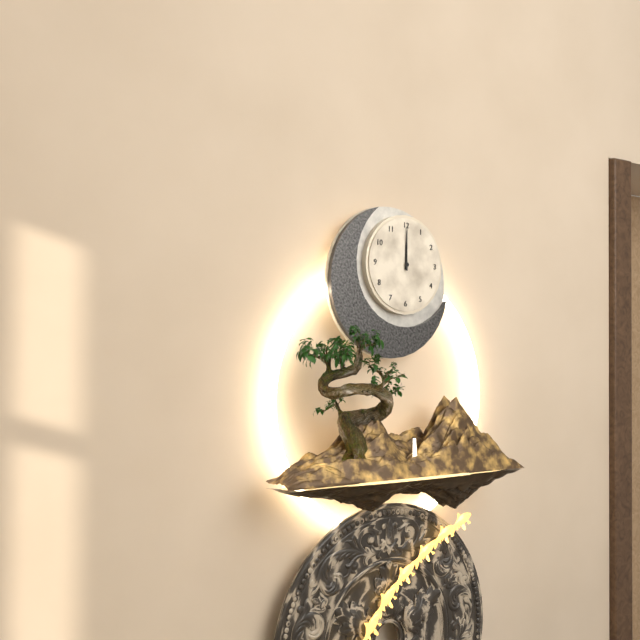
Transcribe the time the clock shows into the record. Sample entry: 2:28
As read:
12:00
